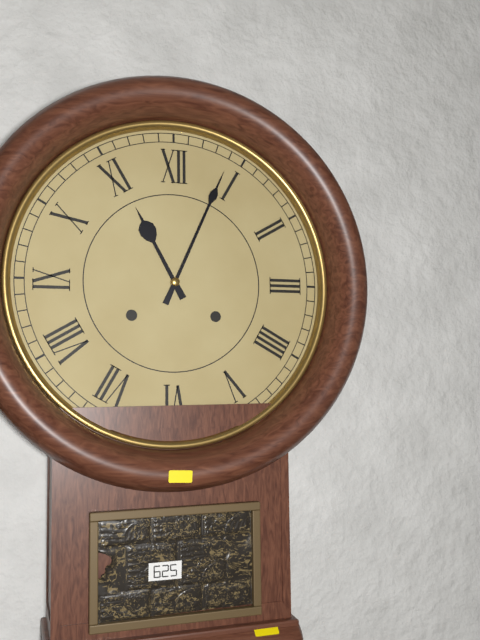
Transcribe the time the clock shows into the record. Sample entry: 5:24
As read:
11:04
